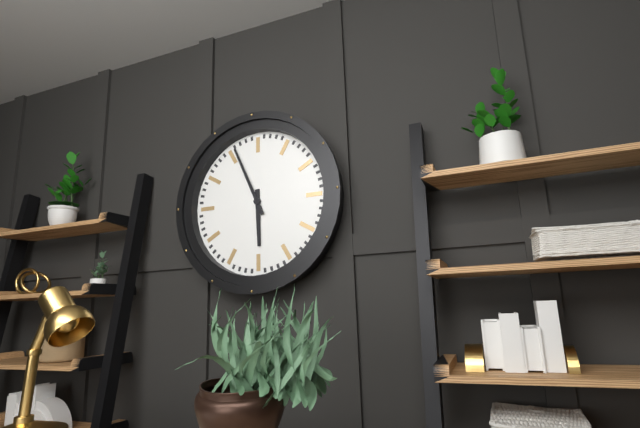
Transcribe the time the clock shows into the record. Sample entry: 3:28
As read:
5:56
